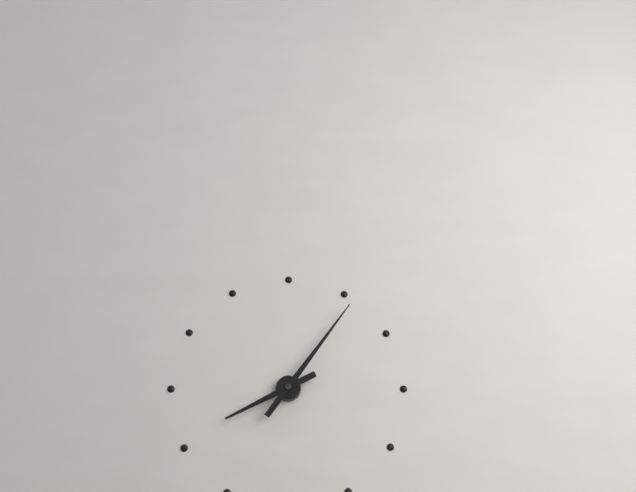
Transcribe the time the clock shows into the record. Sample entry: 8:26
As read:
8:06
